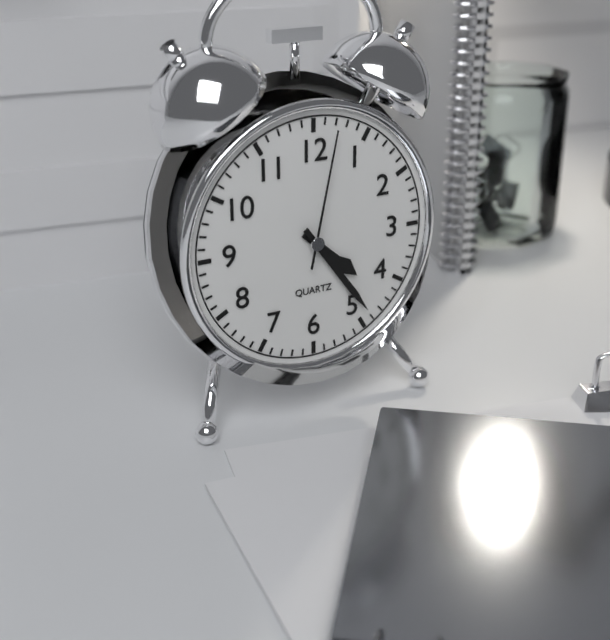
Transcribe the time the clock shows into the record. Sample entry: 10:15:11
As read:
4:24:02
